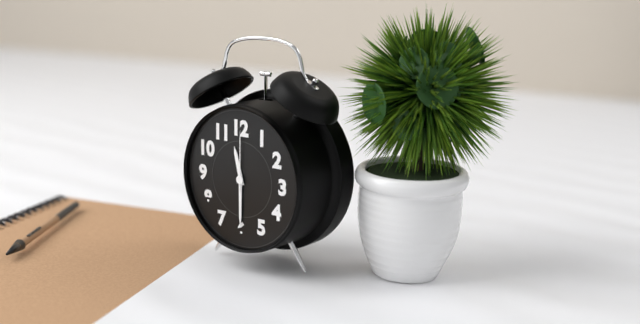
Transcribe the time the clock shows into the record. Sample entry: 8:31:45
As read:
11:30:00
